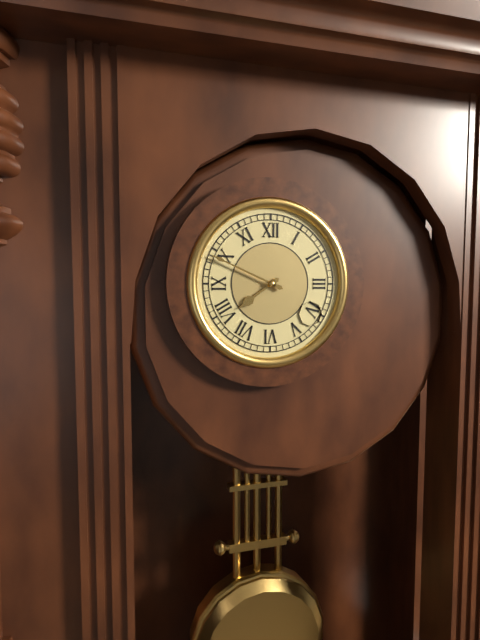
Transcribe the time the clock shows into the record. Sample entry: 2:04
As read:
7:49
